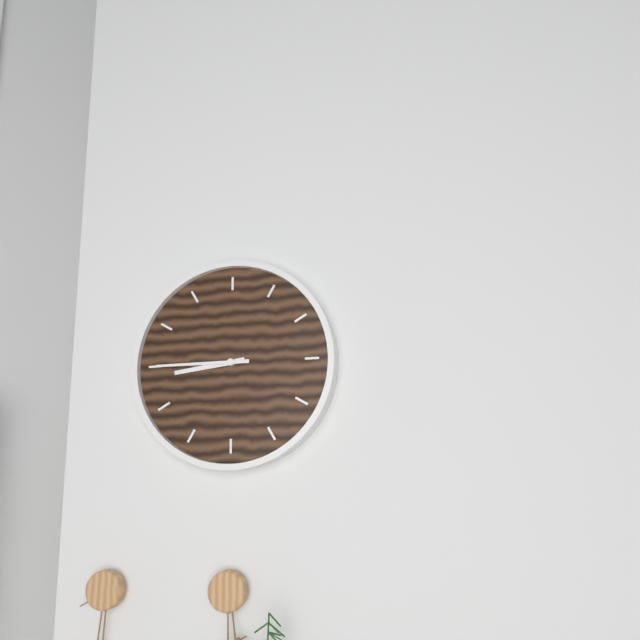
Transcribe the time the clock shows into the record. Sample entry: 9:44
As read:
8:45
